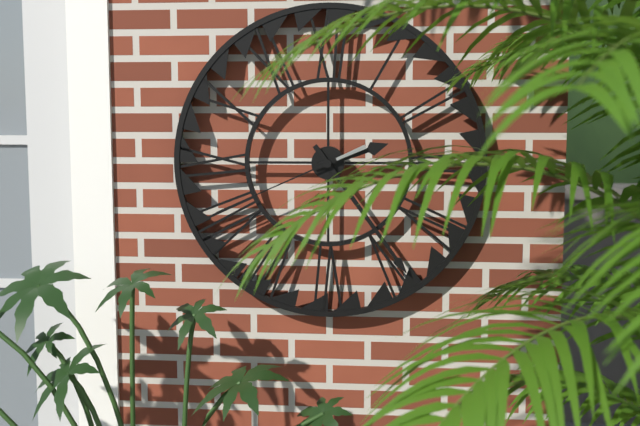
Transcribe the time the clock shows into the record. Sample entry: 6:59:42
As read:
2:24:41
